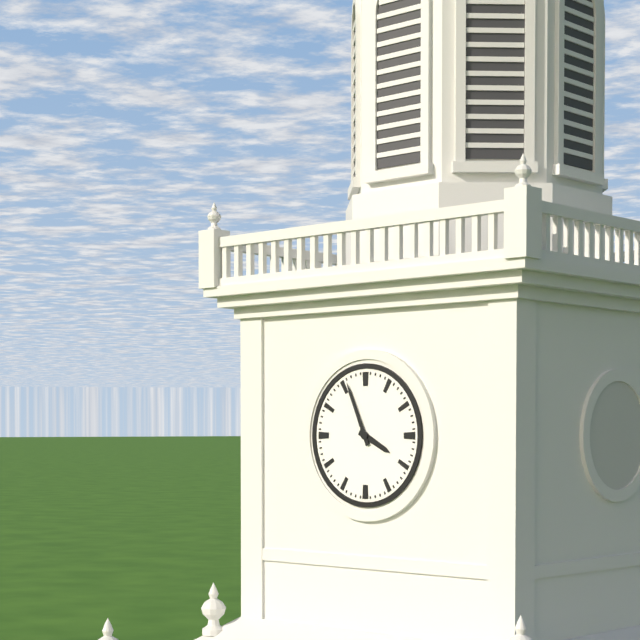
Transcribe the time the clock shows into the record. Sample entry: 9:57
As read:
3:56
